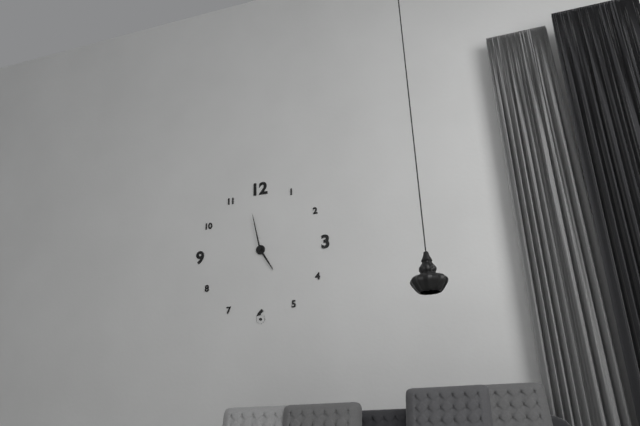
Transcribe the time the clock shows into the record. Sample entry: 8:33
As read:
4:58
